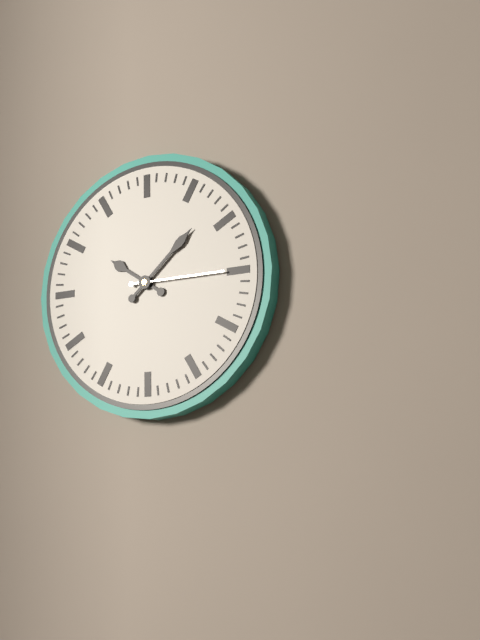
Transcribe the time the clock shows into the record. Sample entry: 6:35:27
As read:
10:08:15
